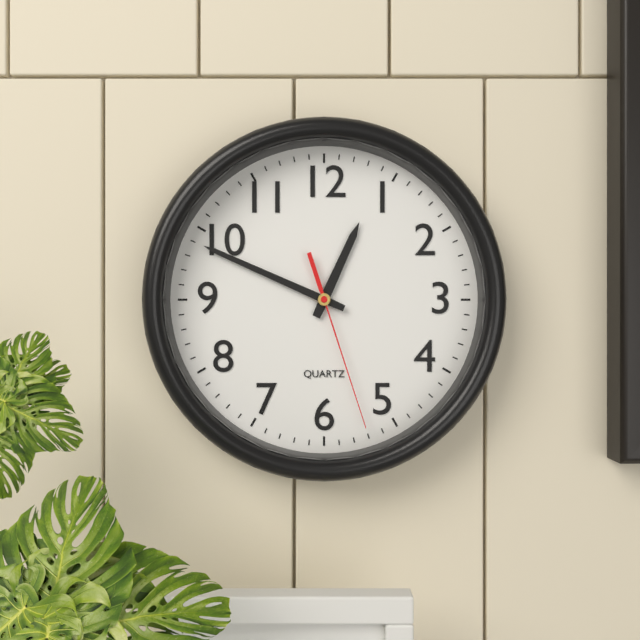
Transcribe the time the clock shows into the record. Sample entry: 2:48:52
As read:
12:49:27
